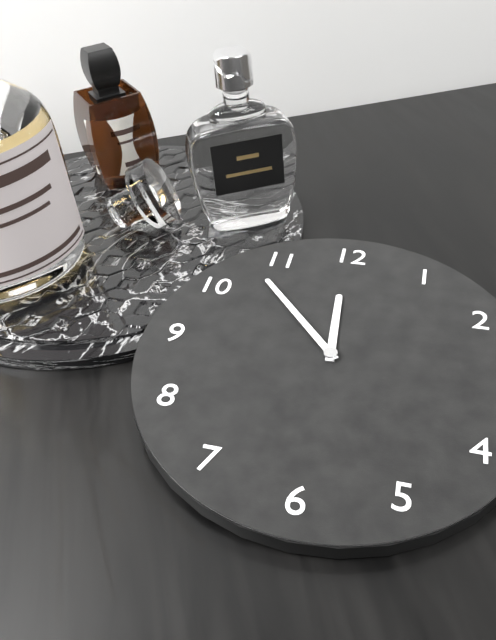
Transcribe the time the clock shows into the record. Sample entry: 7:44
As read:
11:53
